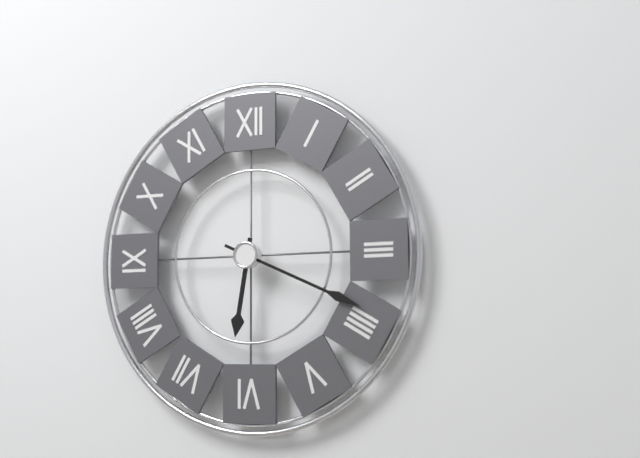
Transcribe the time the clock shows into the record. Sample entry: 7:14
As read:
6:19
